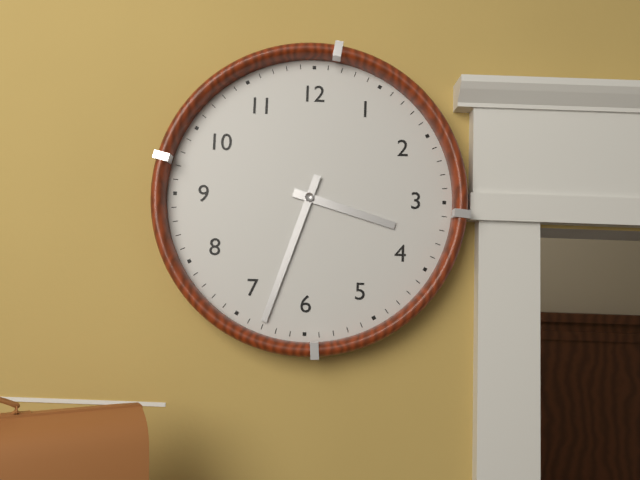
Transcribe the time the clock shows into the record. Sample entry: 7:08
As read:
3:33
